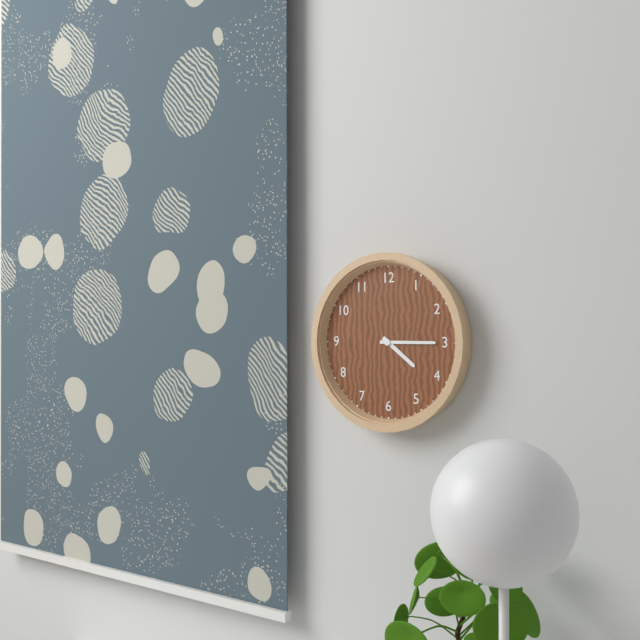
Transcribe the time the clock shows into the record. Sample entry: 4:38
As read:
4:15
